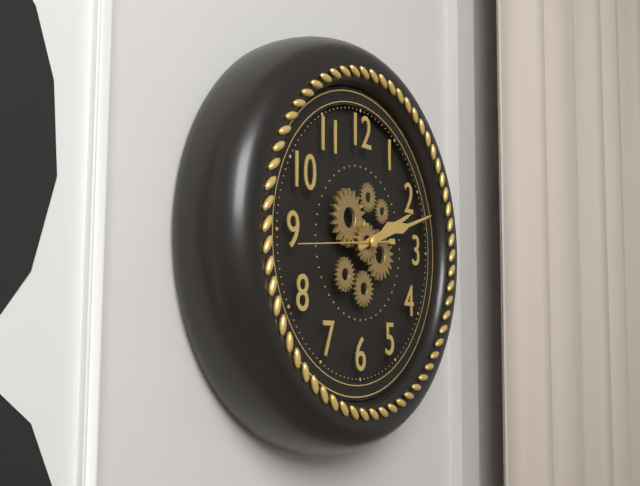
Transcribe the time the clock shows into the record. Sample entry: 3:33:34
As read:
2:12:44
